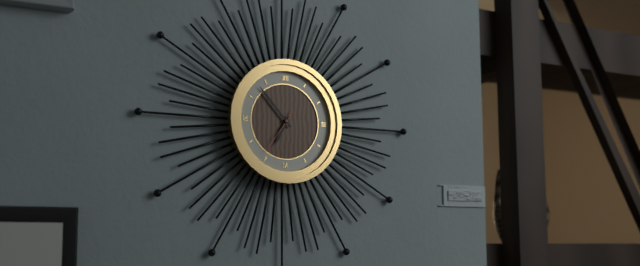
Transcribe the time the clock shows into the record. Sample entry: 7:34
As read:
6:53
